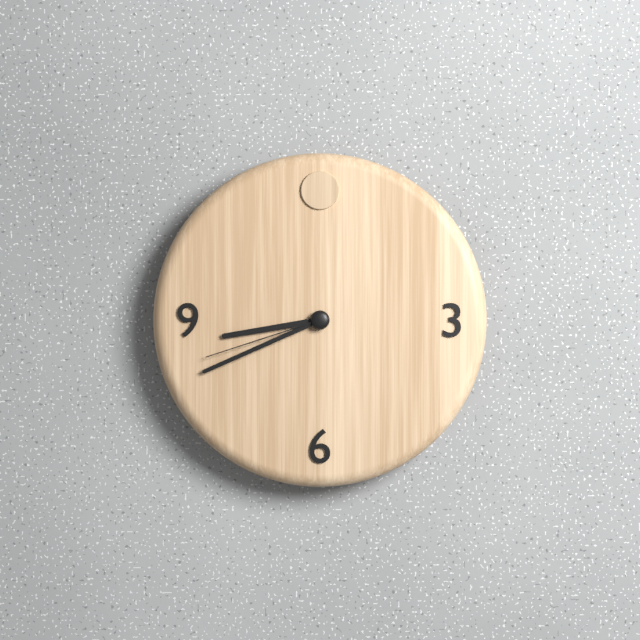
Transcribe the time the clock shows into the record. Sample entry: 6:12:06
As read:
8:41:42
